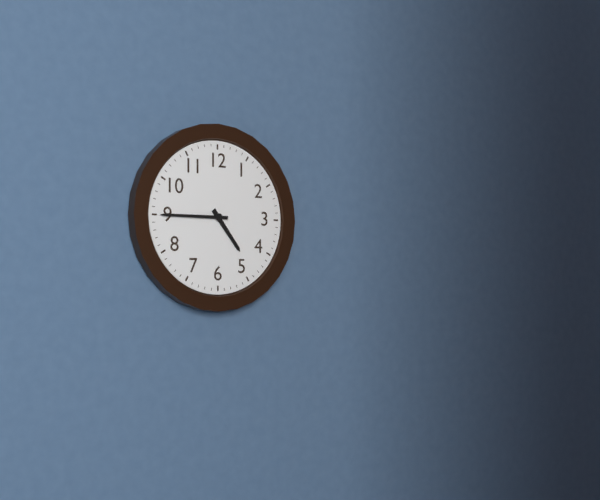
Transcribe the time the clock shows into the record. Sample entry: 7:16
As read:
4:45
